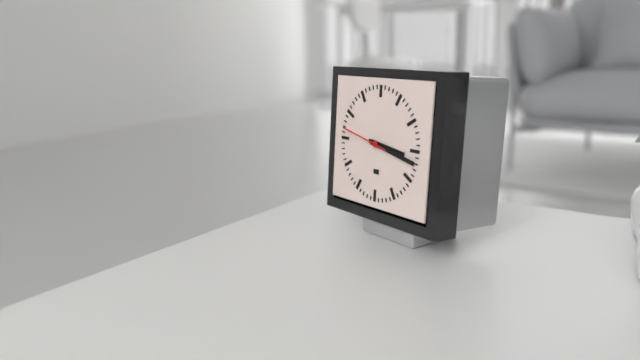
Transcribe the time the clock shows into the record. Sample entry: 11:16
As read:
3:17
